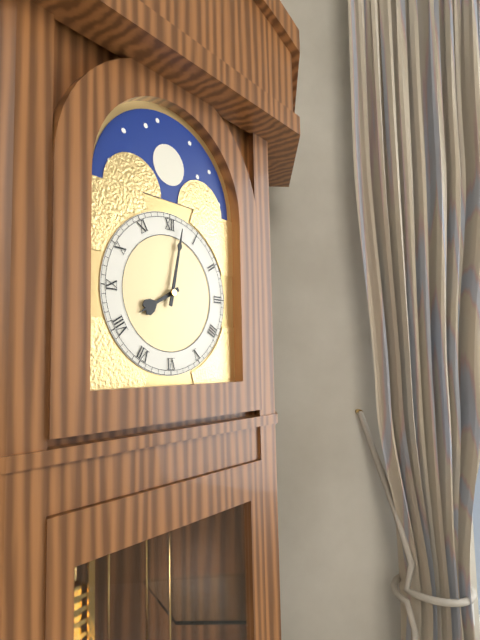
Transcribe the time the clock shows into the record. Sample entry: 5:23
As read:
8:02
